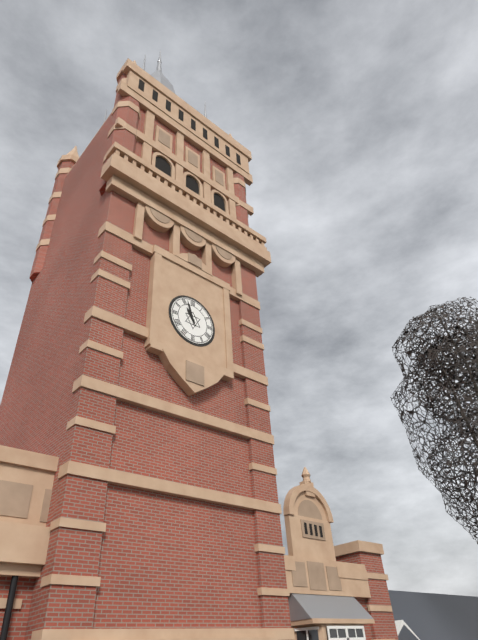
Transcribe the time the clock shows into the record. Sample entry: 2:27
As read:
10:57
